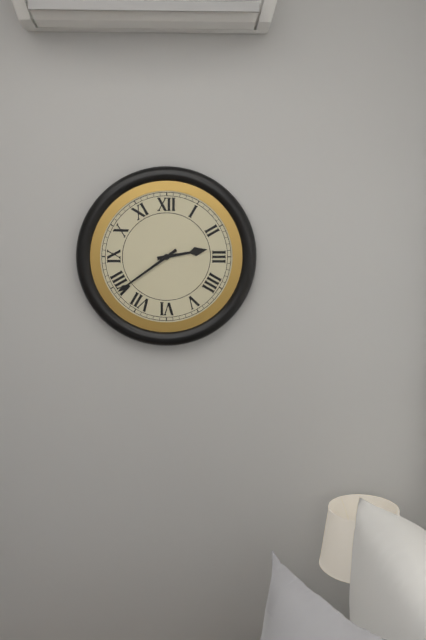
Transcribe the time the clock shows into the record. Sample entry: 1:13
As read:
2:39
